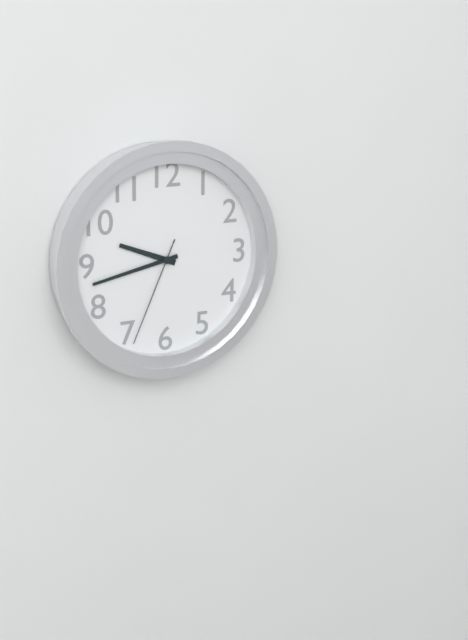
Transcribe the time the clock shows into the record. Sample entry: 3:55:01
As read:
9:43:34
